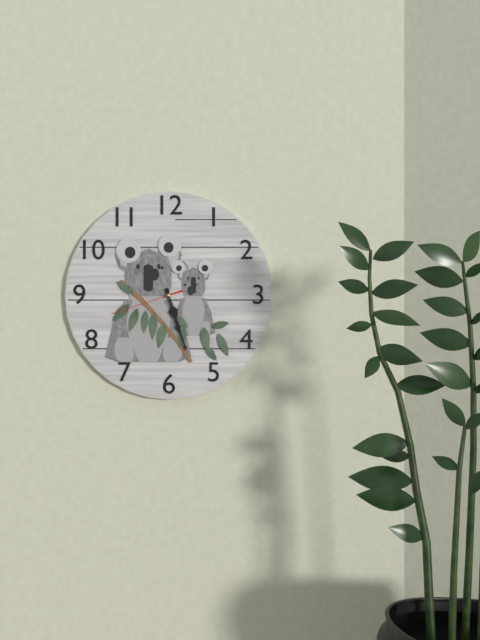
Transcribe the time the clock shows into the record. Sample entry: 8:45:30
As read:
5:27:42
